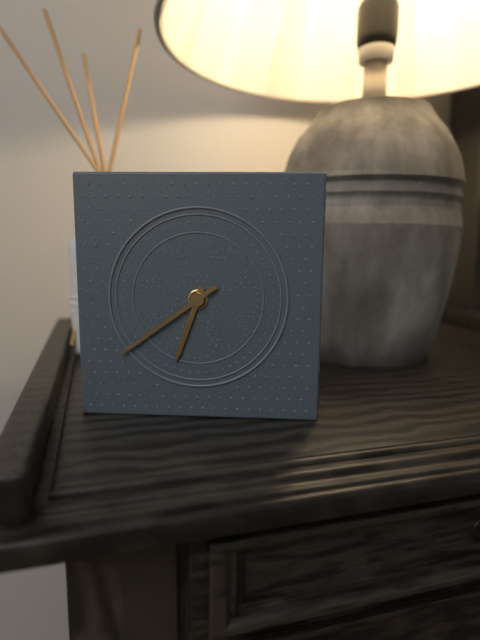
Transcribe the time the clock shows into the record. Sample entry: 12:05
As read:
6:39
